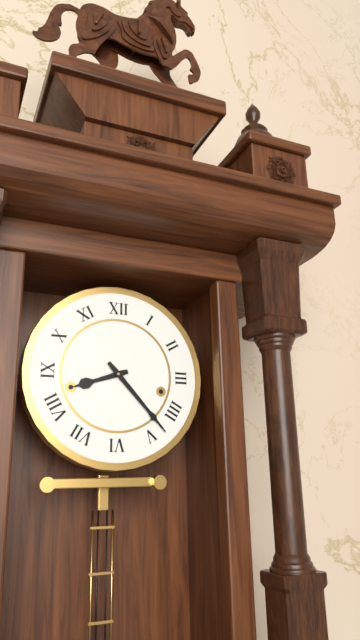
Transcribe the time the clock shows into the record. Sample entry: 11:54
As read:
8:23
